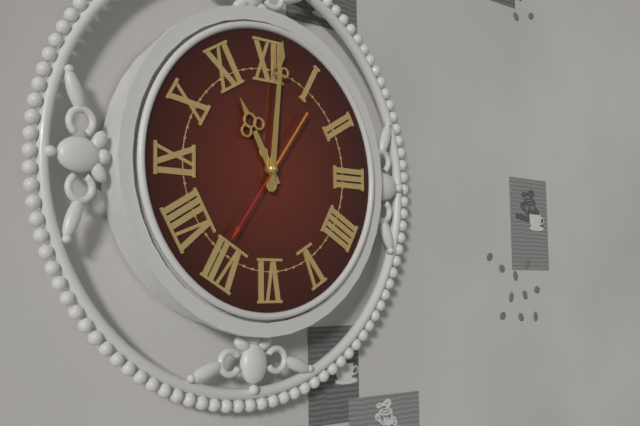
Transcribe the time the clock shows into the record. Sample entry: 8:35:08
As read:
11:01:36
